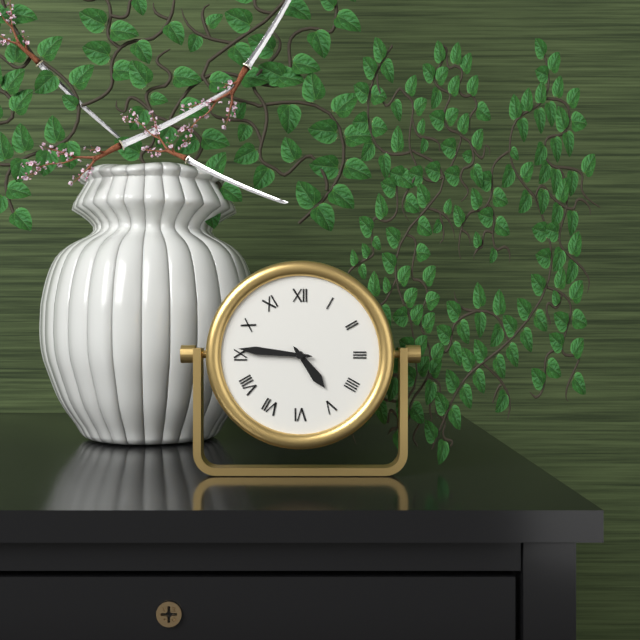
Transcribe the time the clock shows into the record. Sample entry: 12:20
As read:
4:46
